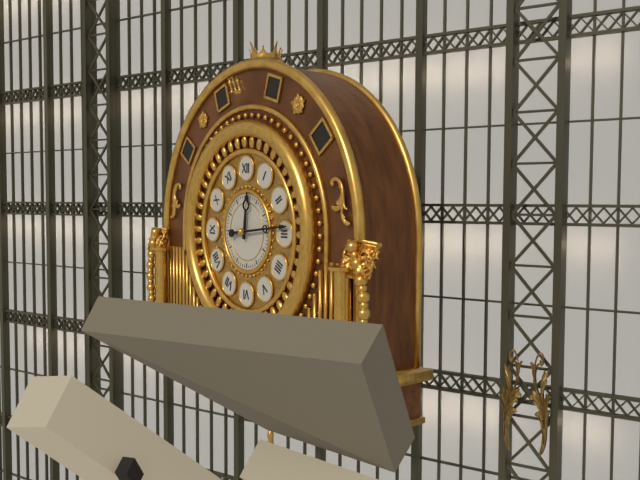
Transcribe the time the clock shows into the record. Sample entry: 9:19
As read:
12:14
